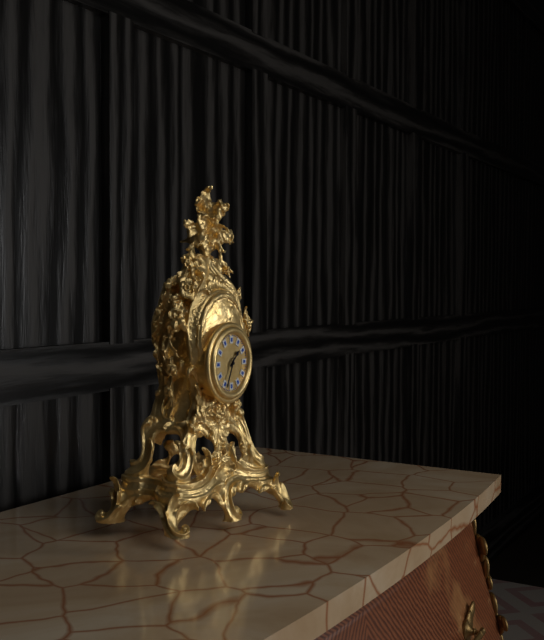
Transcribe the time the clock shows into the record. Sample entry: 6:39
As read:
1:34
